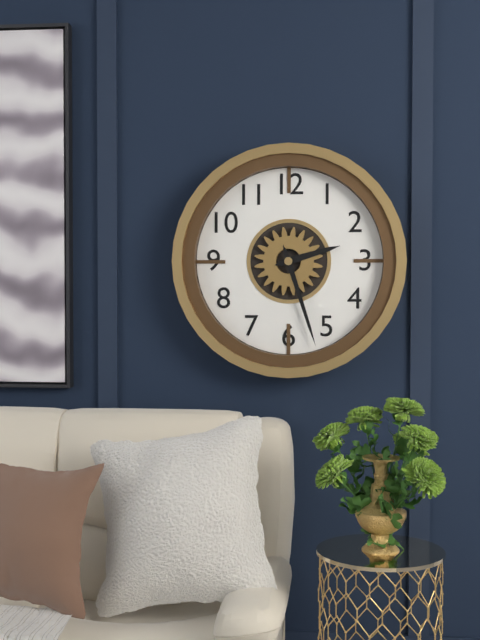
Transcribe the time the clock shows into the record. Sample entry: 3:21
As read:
2:27
